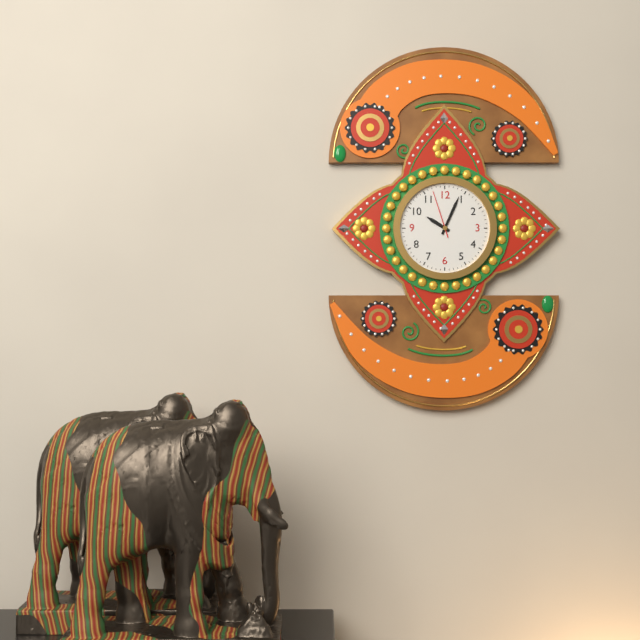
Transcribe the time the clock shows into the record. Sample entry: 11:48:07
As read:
10:04:57
